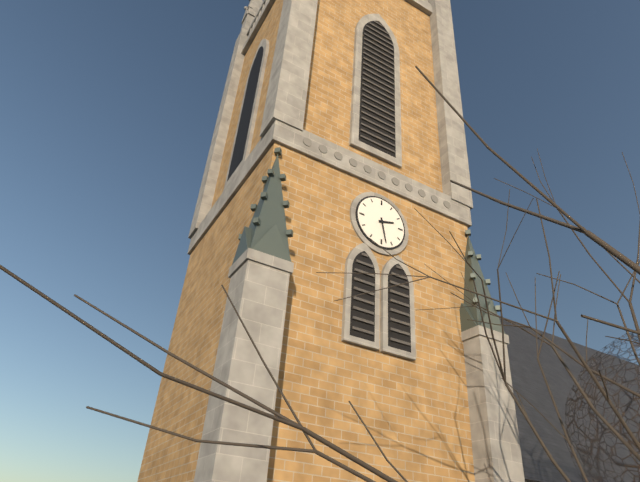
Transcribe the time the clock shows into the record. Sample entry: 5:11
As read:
2:28
